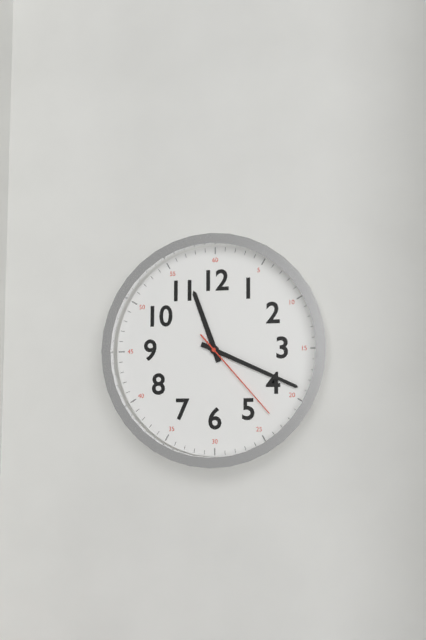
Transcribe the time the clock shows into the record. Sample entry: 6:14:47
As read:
11:19:23
